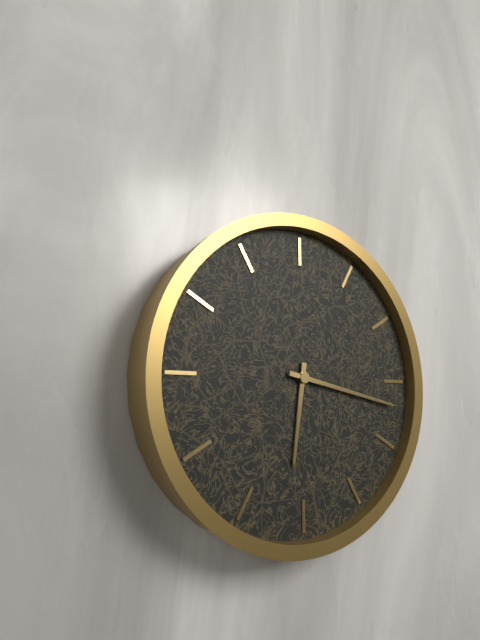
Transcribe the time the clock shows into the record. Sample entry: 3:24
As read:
6:17
